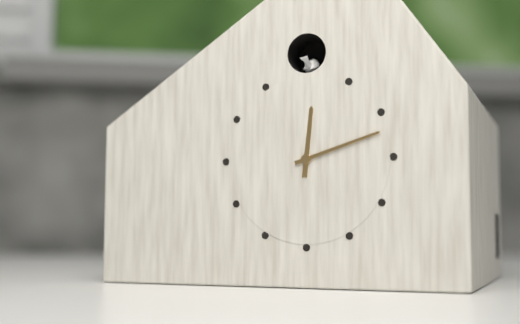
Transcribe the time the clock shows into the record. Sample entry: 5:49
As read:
12:12
